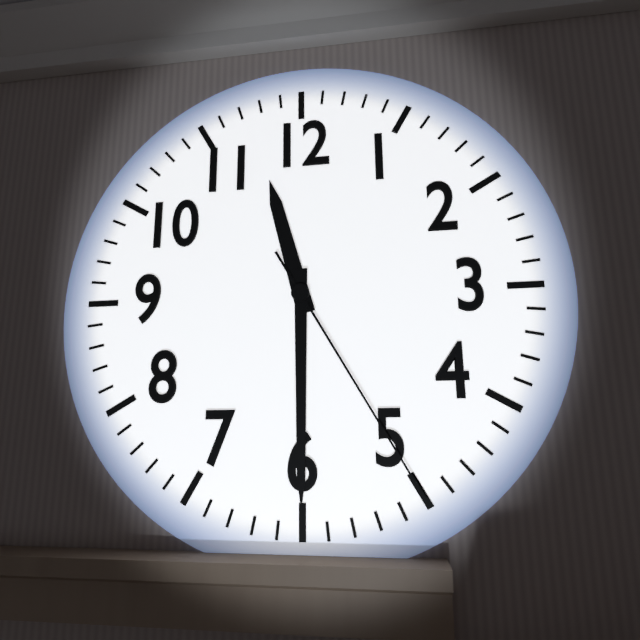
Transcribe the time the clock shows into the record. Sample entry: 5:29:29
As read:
11:30:25
